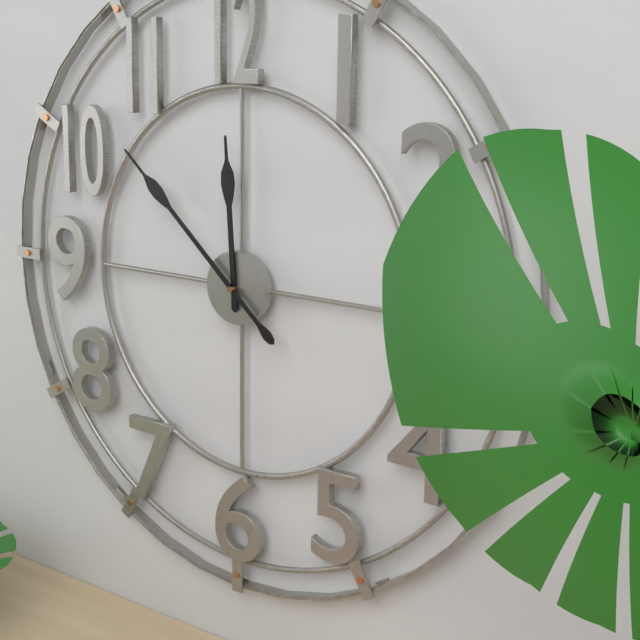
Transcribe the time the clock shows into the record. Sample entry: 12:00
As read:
11:52
